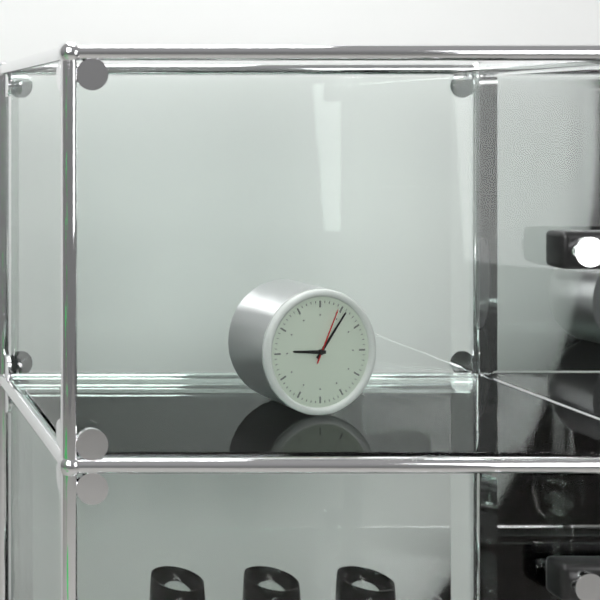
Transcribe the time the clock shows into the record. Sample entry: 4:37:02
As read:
9:06:04
